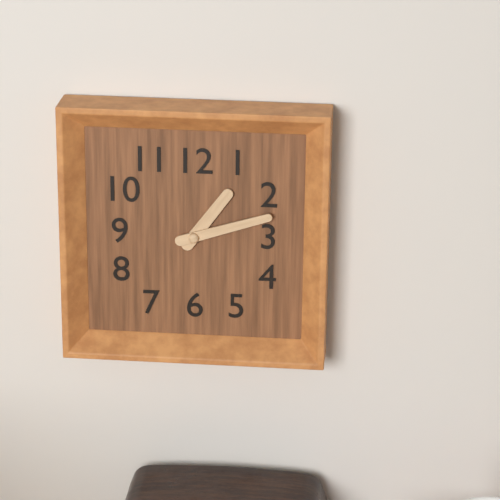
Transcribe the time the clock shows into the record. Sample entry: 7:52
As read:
1:12
